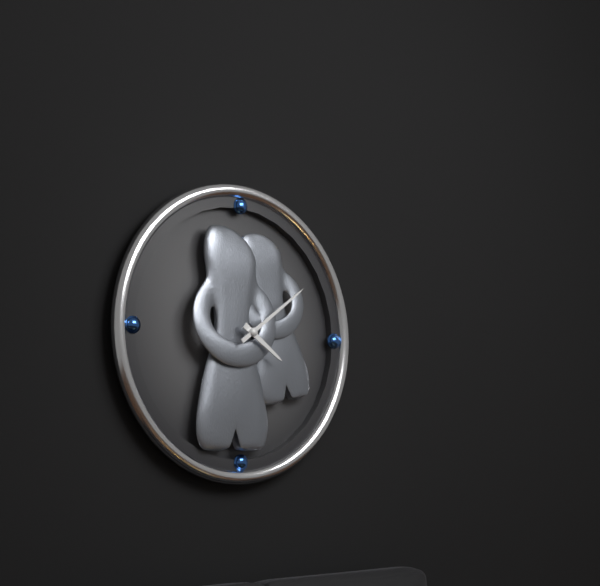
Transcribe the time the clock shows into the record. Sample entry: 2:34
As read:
4:09
